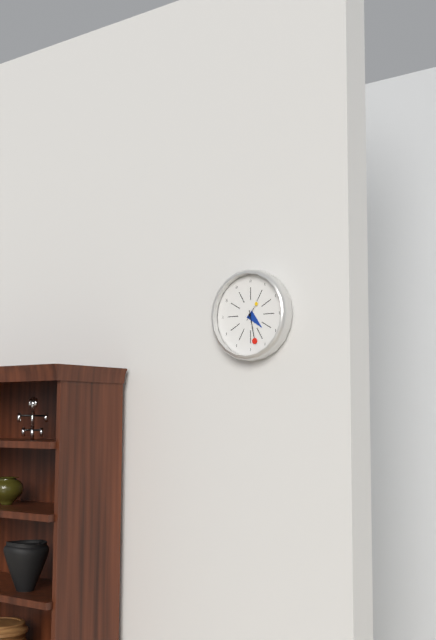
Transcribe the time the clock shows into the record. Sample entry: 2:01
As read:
4:28
